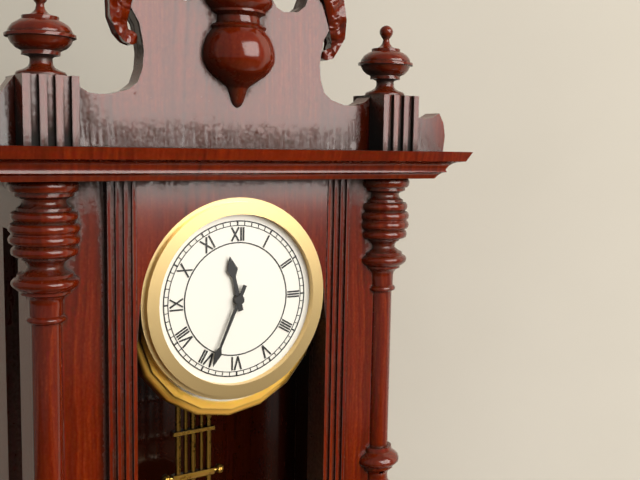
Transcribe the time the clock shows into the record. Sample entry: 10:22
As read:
11:34
